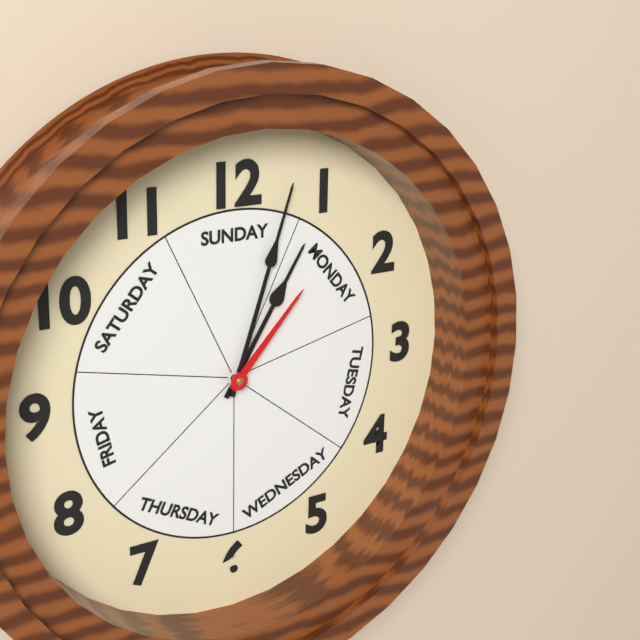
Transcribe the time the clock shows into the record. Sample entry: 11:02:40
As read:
1:03:07
